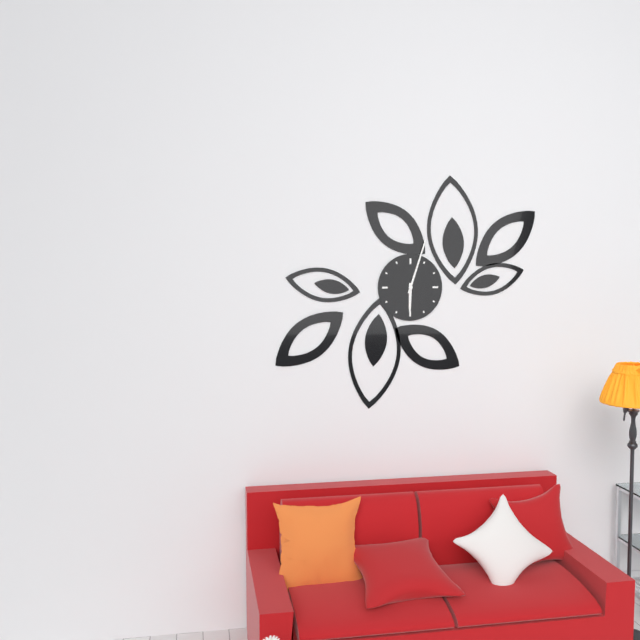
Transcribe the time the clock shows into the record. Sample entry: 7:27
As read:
6:03
